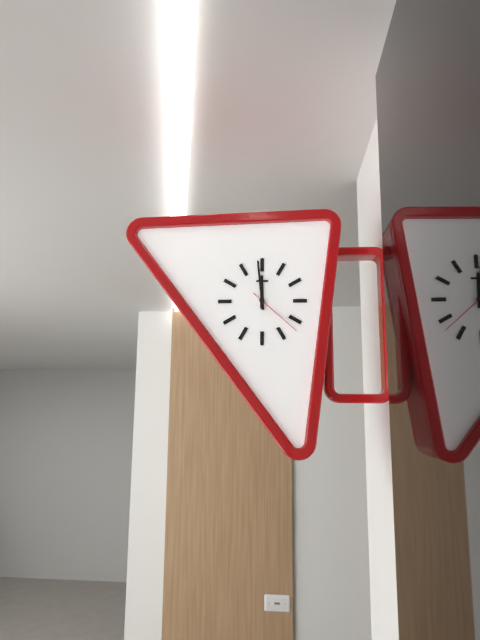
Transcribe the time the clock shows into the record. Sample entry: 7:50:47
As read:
11:59:22
